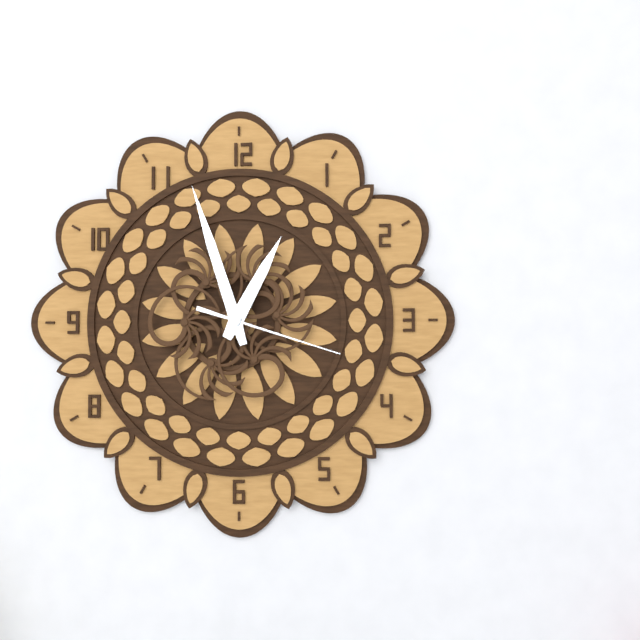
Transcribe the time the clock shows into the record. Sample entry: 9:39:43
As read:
12:57:18
